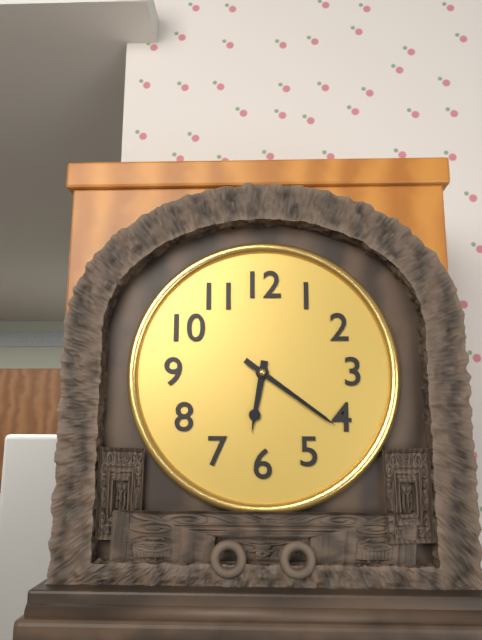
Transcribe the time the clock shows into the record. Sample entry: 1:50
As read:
6:21
